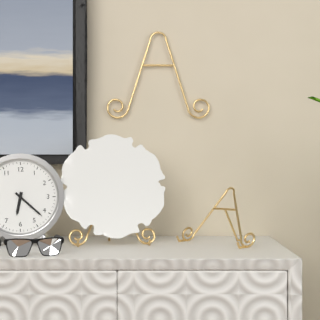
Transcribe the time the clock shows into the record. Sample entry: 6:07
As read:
6:22
